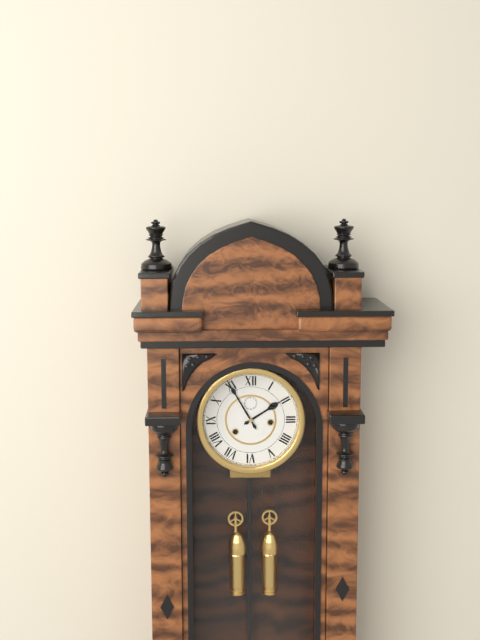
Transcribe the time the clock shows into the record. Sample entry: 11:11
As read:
1:55
